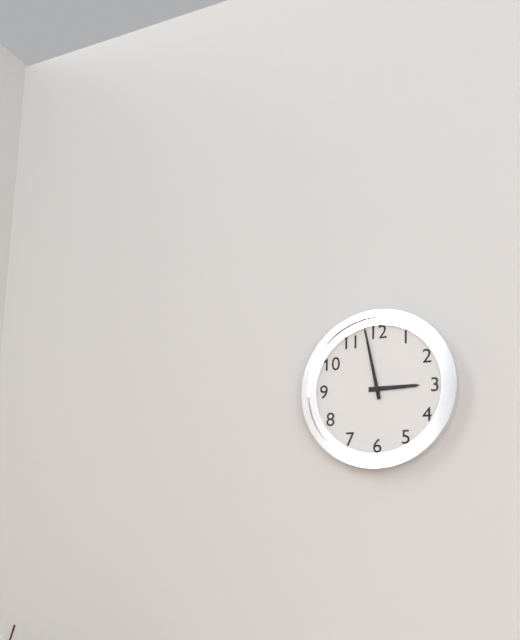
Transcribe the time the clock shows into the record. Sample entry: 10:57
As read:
2:58
